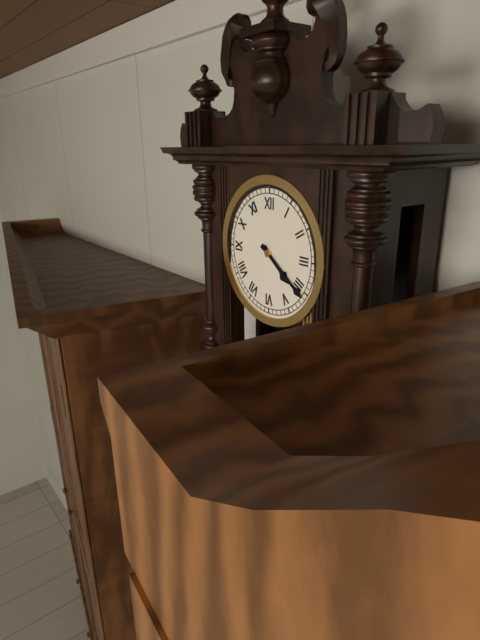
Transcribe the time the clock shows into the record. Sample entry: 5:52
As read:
4:21
